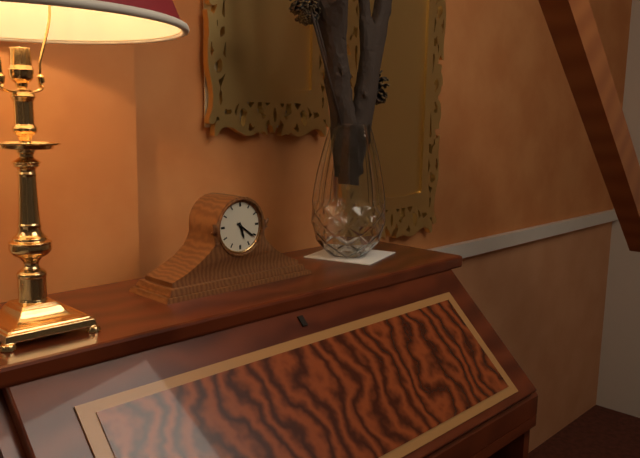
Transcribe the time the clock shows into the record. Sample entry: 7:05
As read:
5:21
